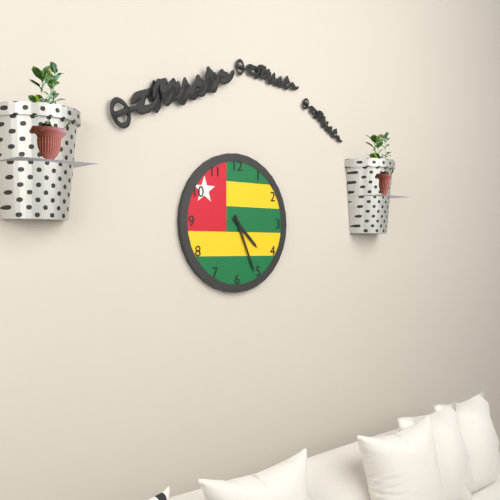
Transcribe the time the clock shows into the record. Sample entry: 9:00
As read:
4:26
